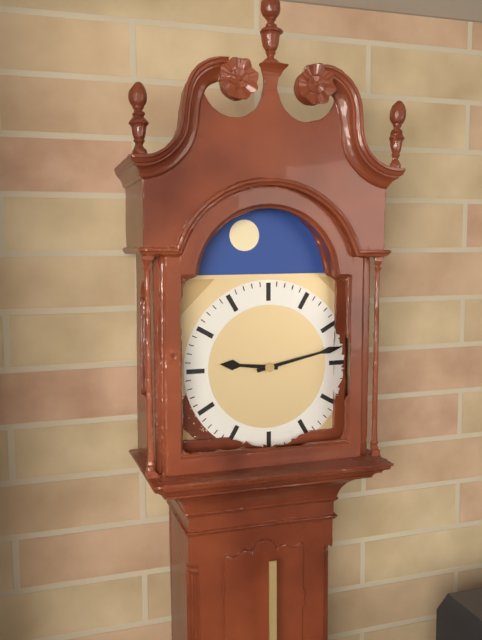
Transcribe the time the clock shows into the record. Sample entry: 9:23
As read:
9:13
